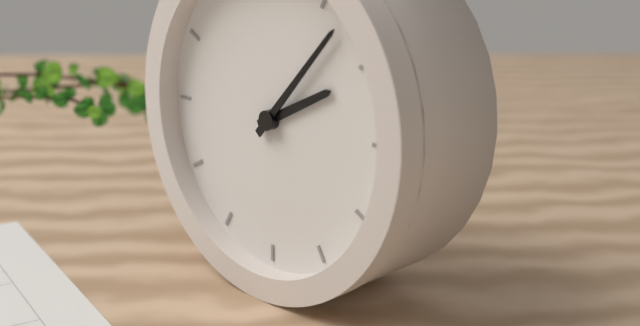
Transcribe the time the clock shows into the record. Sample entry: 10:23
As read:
2:07
